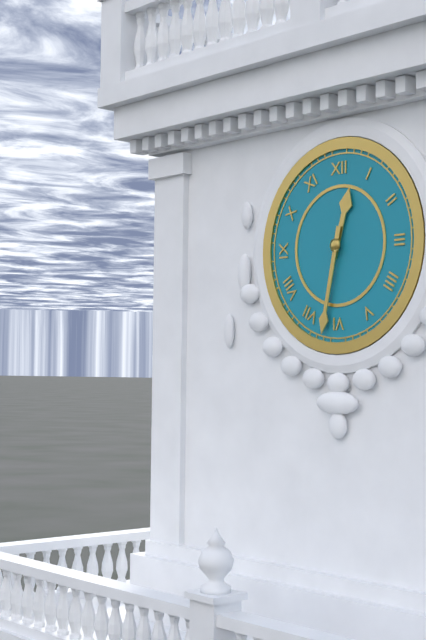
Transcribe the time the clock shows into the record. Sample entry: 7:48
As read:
12:32
